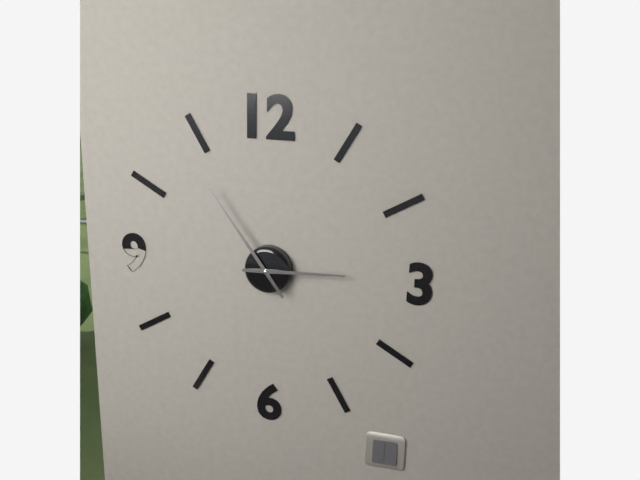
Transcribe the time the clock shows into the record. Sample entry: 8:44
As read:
2:54
